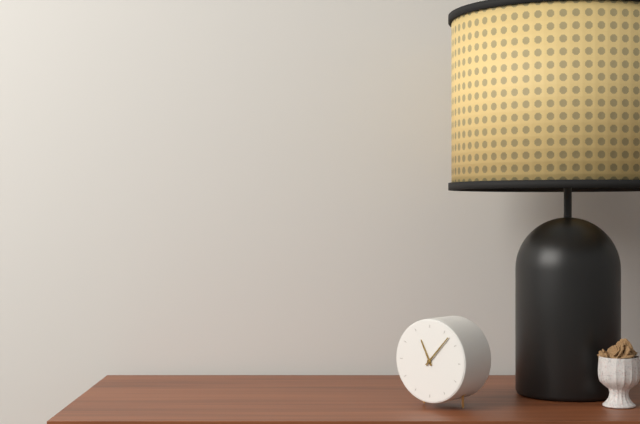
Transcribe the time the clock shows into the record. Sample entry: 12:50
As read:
11:07
